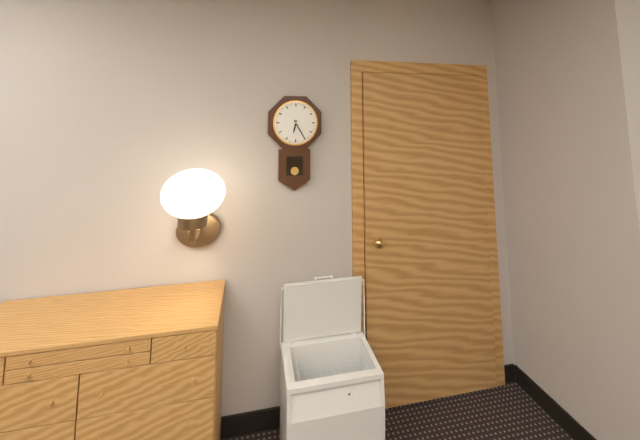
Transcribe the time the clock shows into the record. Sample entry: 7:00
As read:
6:25
